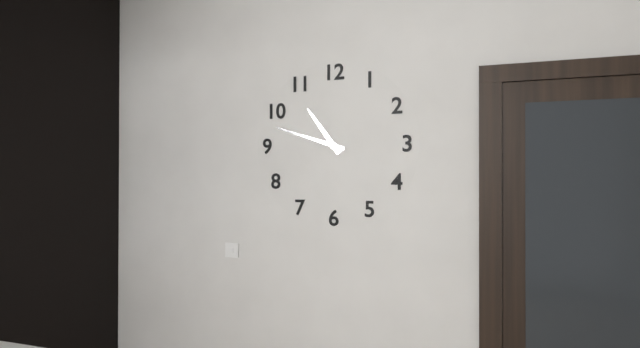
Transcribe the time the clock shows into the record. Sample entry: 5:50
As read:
10:48
